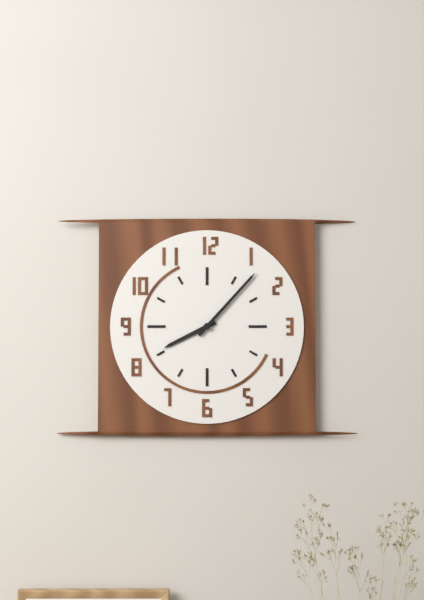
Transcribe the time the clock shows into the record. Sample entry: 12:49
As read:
8:07
